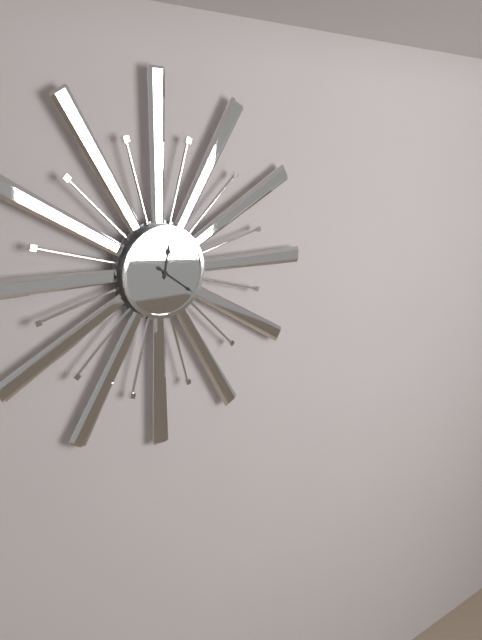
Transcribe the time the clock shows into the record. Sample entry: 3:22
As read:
12:21
